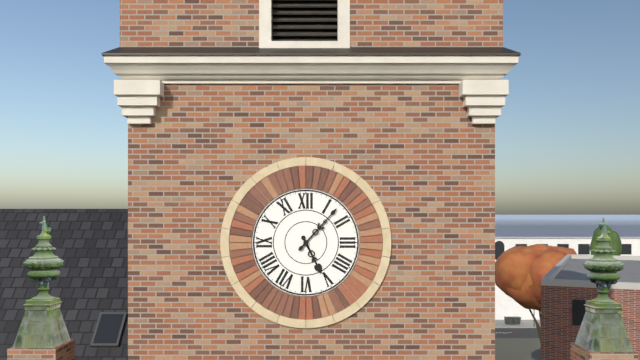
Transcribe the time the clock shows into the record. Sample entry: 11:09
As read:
5:07
